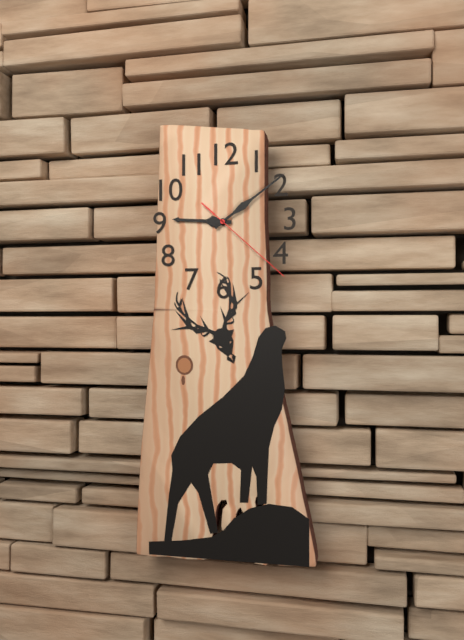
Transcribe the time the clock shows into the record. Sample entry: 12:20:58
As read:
9:09:22
